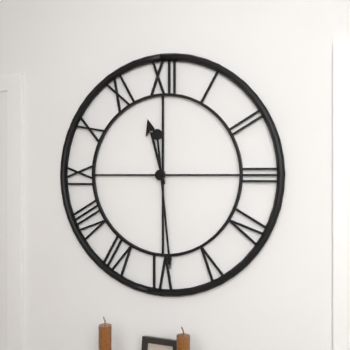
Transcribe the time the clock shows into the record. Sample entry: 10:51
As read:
11:29
